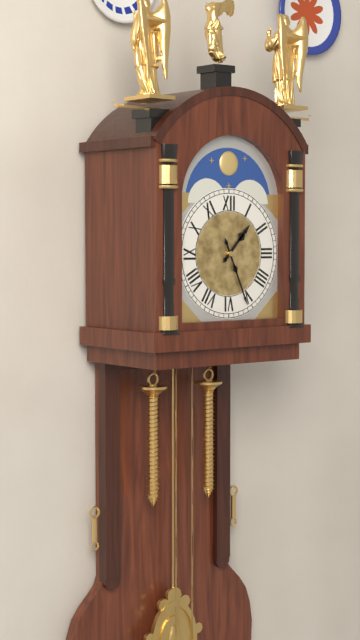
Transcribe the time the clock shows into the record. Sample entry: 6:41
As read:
1:26
